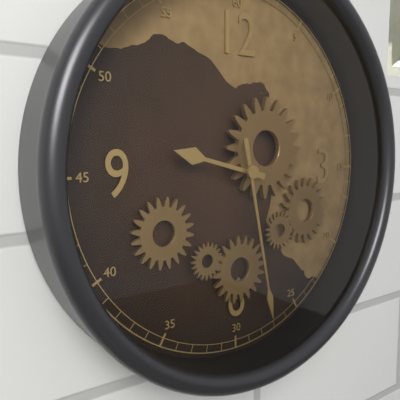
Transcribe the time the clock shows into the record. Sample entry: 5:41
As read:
9:28
